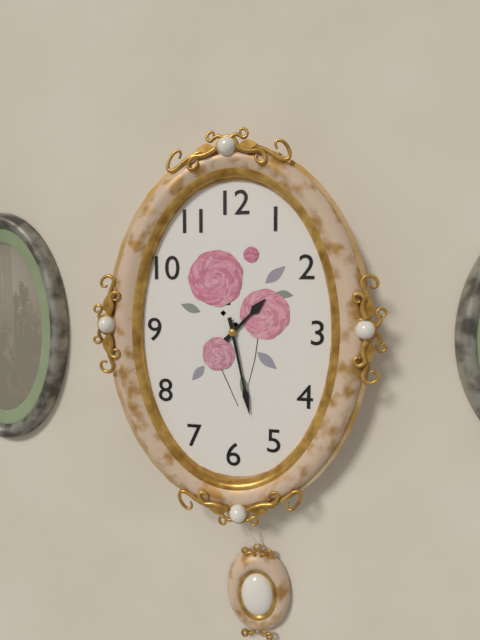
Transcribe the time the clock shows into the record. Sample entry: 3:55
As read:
1:28
